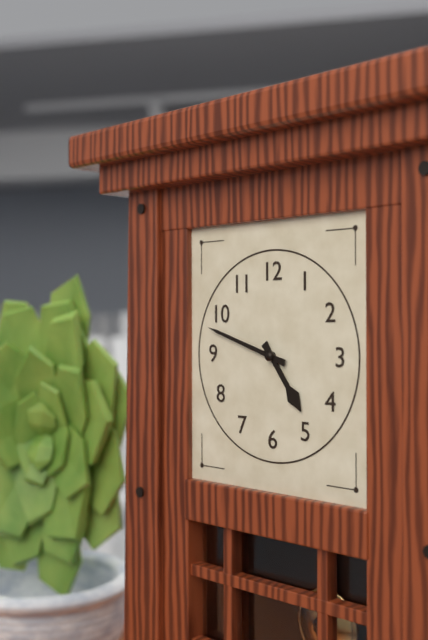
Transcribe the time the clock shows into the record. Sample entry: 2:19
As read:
4:48
